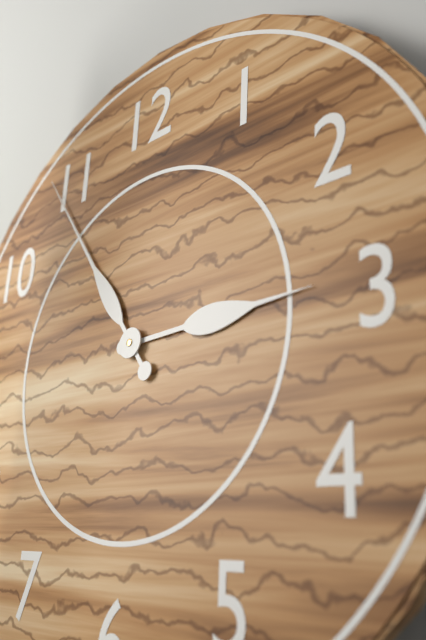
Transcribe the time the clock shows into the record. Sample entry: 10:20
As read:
2:54
